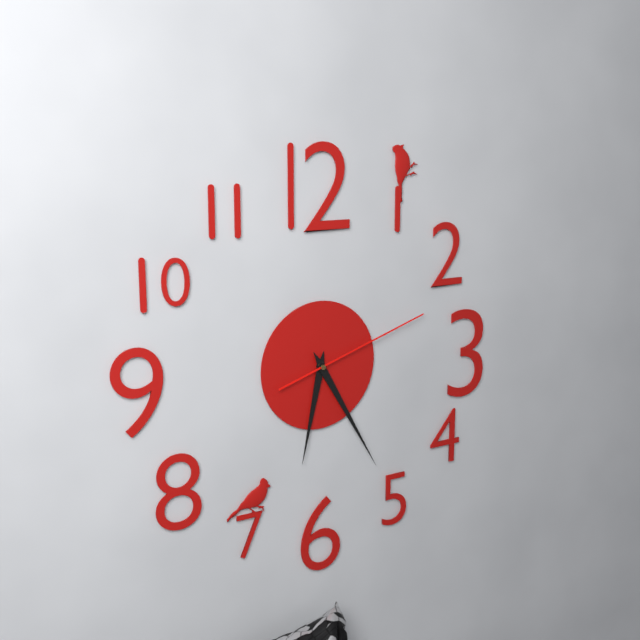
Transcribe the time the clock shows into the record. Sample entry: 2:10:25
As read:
6:25:12
